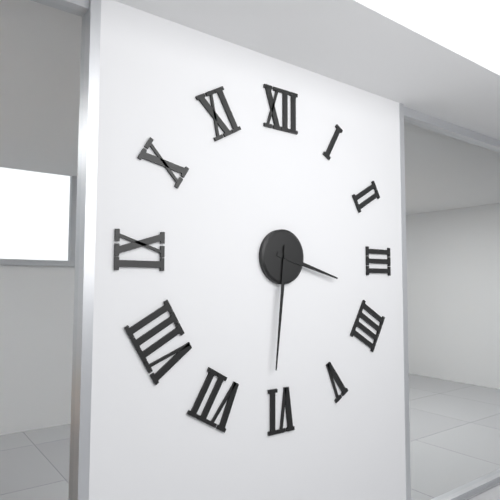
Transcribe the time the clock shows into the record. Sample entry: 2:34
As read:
3:31
